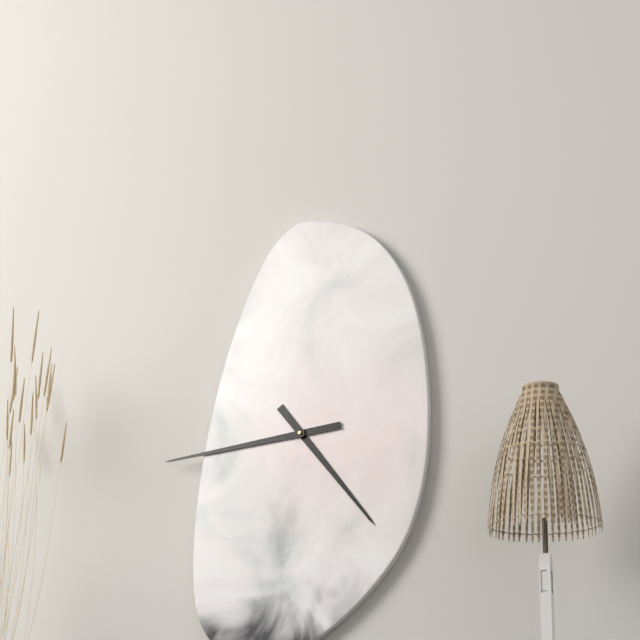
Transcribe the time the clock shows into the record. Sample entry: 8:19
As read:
4:44
